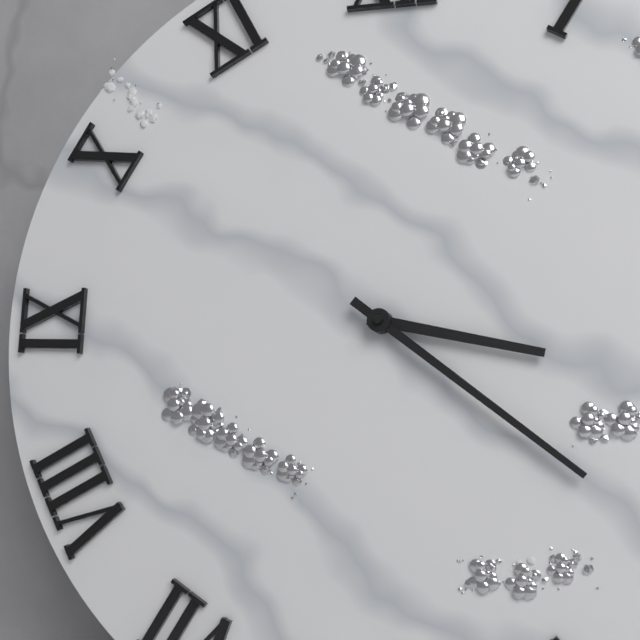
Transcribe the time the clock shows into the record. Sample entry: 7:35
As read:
3:21
